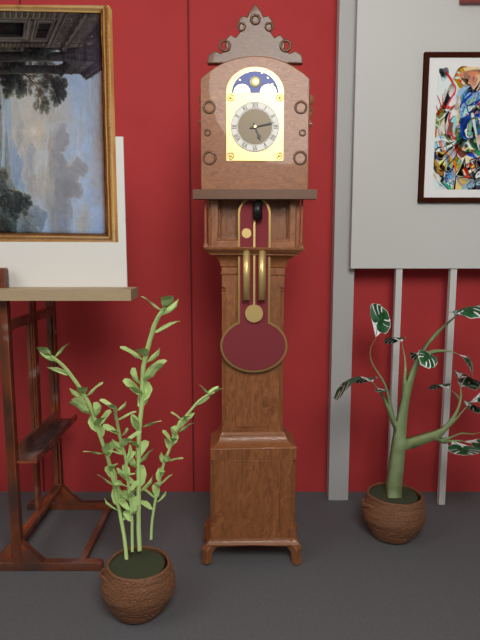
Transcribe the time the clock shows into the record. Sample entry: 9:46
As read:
5:13
